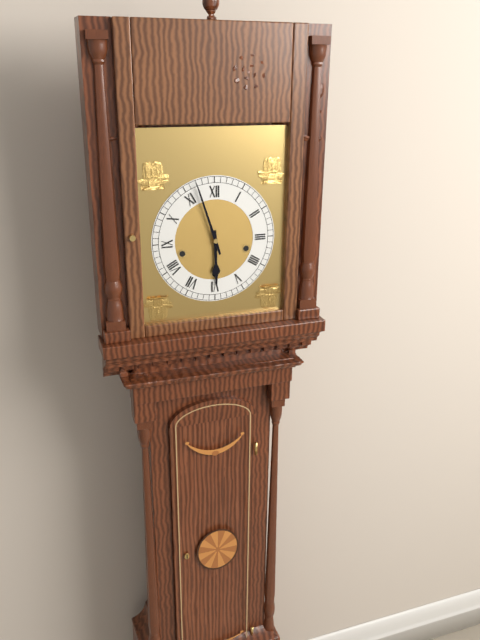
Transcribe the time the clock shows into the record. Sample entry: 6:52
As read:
5:57
